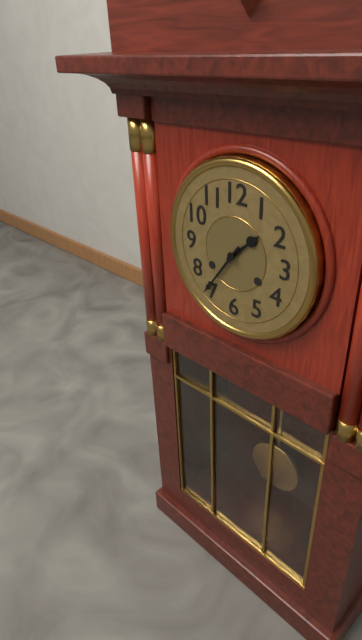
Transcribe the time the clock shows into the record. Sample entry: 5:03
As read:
1:36
